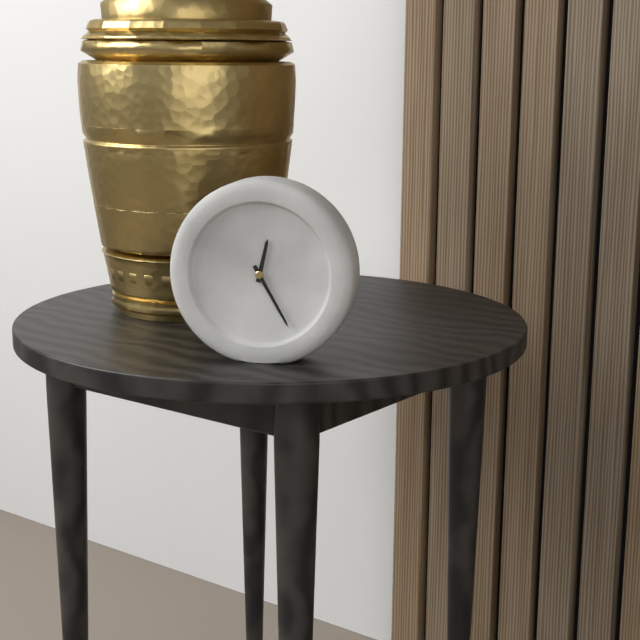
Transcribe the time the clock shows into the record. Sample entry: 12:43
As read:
12:25
